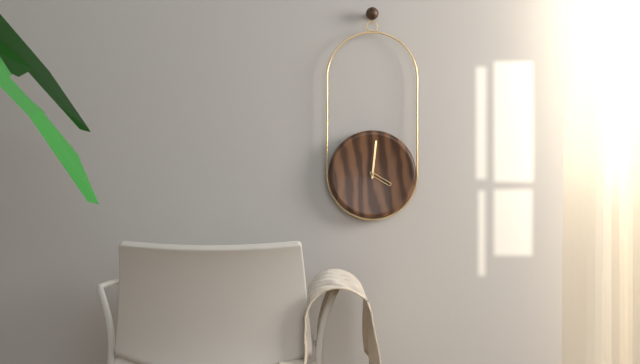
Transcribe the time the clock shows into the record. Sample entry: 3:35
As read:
4:01
